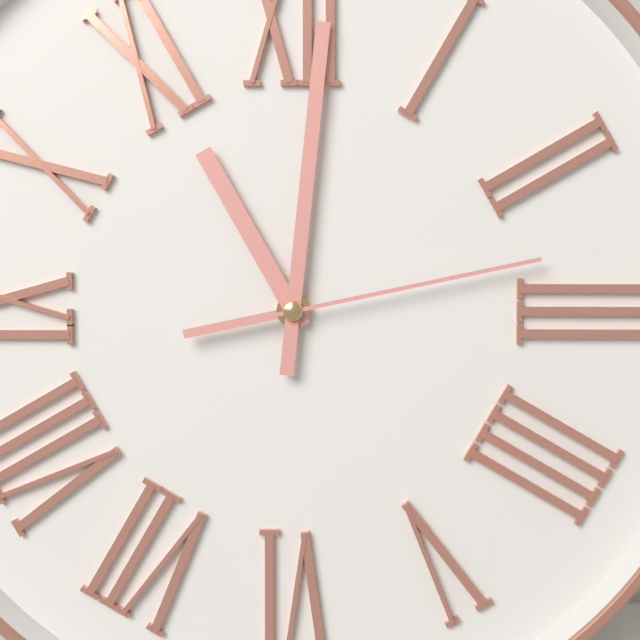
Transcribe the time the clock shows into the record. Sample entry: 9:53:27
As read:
11:01:13
